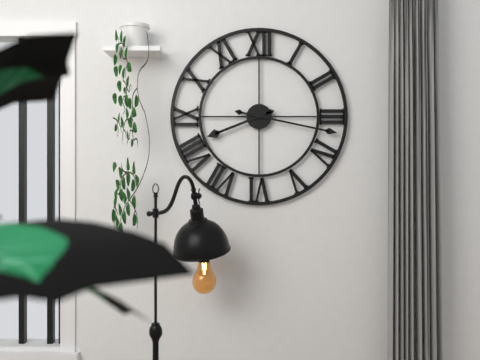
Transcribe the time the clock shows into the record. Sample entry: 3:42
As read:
8:17
